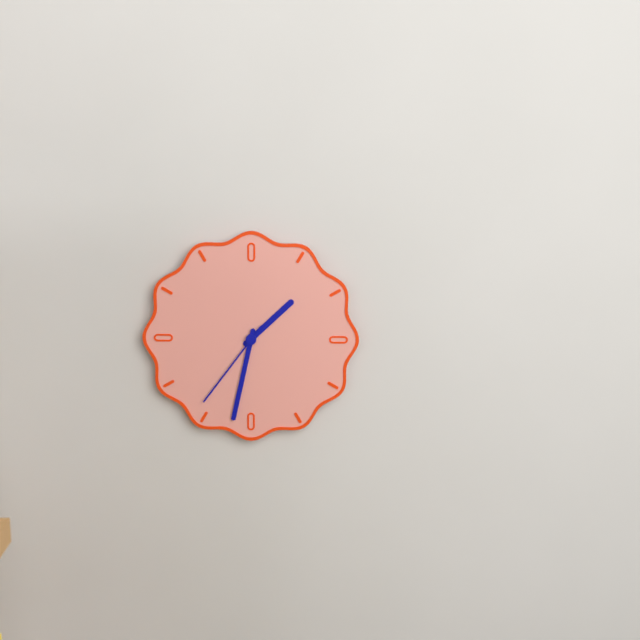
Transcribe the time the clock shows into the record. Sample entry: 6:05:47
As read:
1:32:36
